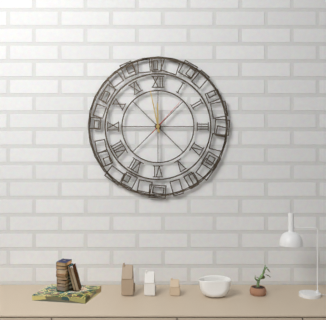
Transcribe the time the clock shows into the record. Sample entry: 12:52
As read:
11:58
